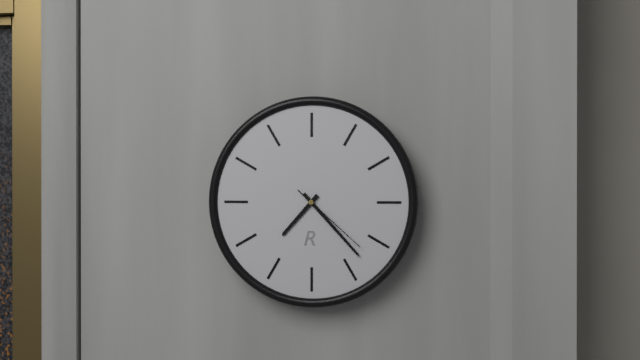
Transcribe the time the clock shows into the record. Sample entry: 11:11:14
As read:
7:23:22
